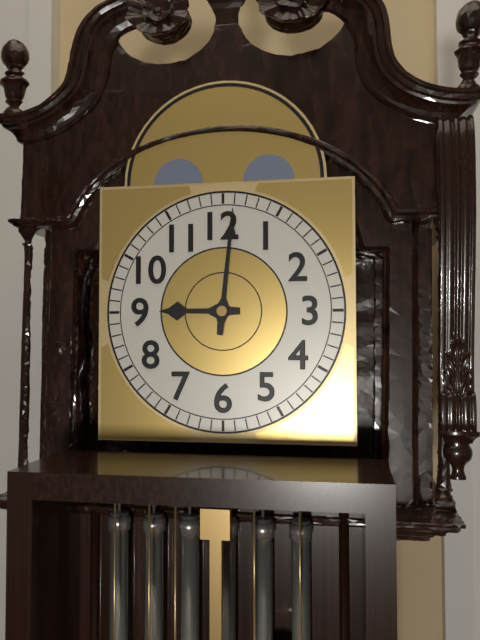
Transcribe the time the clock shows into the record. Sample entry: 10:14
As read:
9:01
